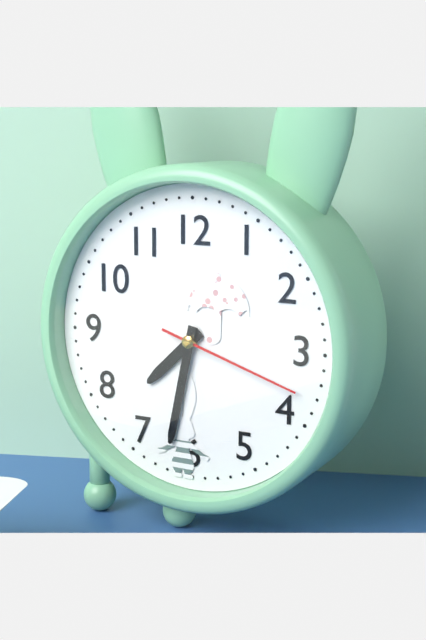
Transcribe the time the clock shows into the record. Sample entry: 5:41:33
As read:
7:32:18
